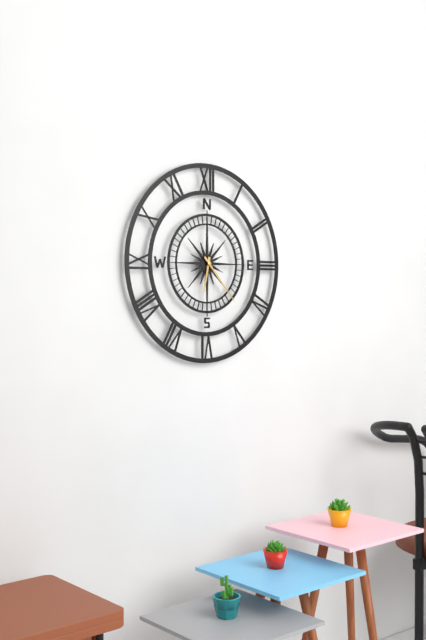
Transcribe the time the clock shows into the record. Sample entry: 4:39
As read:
6:23
